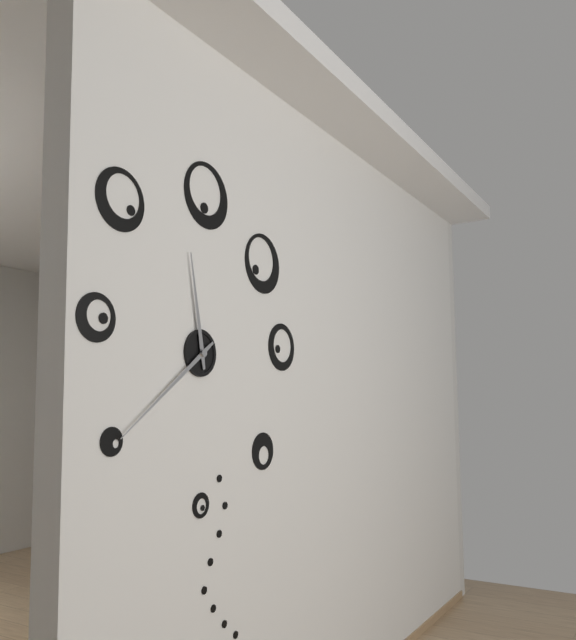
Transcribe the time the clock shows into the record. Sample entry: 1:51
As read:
11:39
